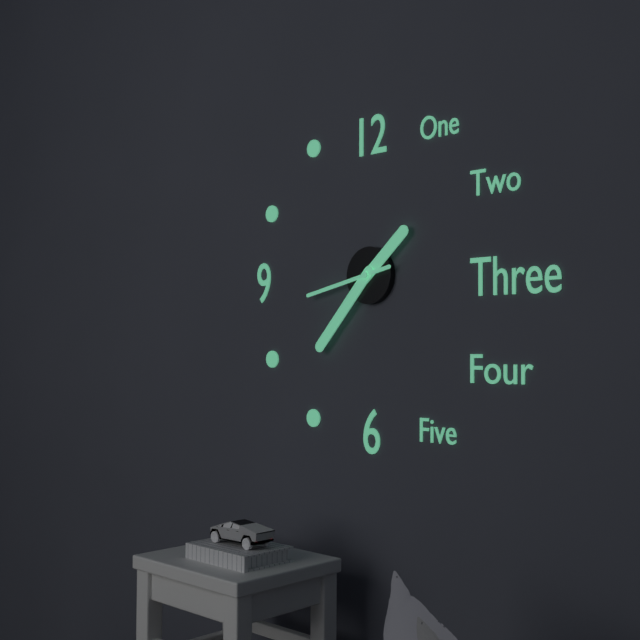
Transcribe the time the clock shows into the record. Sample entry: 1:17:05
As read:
1:37:43
